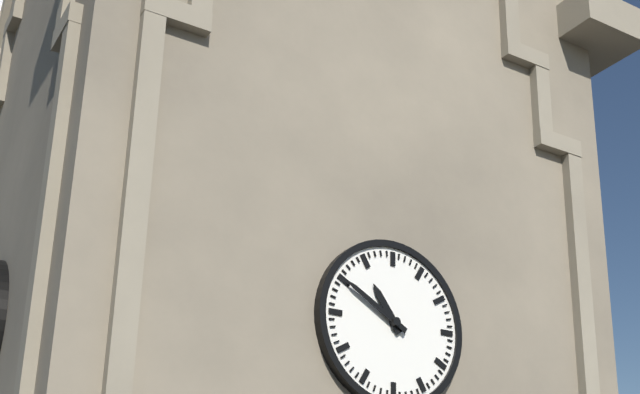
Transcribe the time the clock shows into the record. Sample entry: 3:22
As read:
10:50
